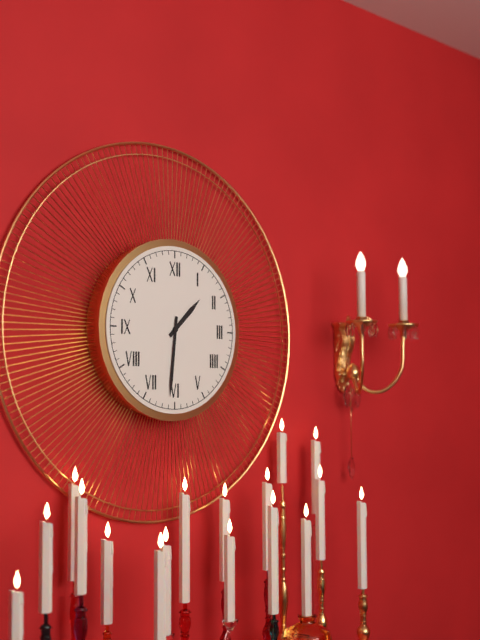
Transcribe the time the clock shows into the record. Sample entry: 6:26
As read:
1:31
